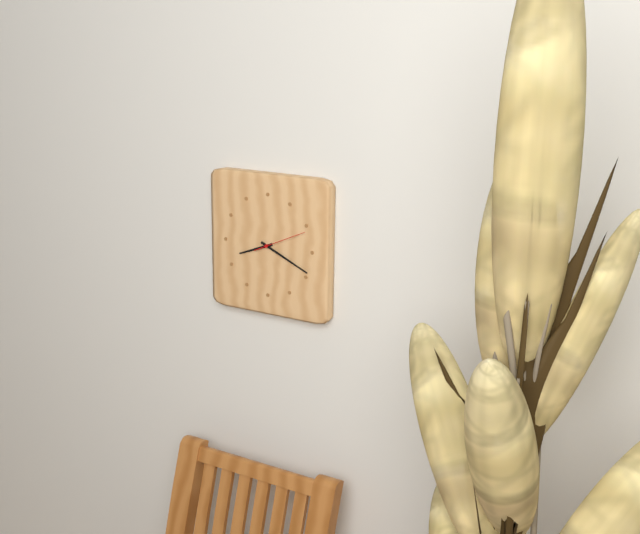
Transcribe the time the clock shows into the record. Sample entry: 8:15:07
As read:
8:19:11
